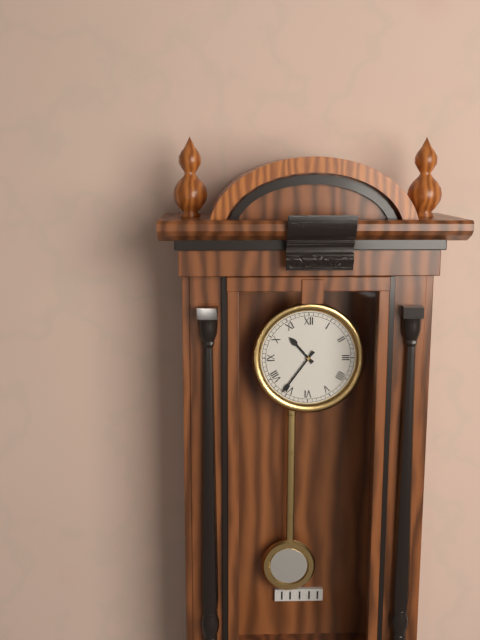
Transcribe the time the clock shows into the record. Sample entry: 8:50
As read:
10:36
